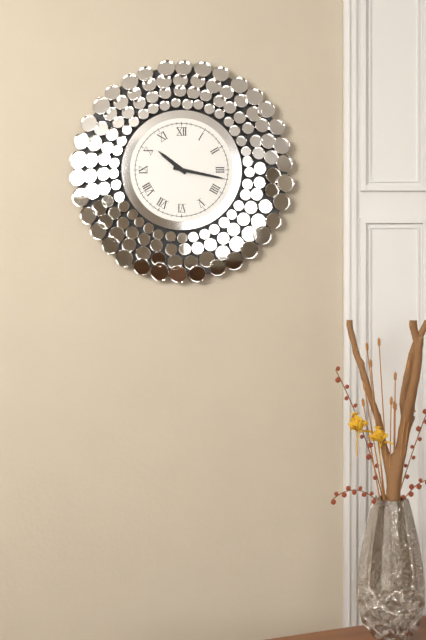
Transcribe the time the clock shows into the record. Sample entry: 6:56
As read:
10:17
